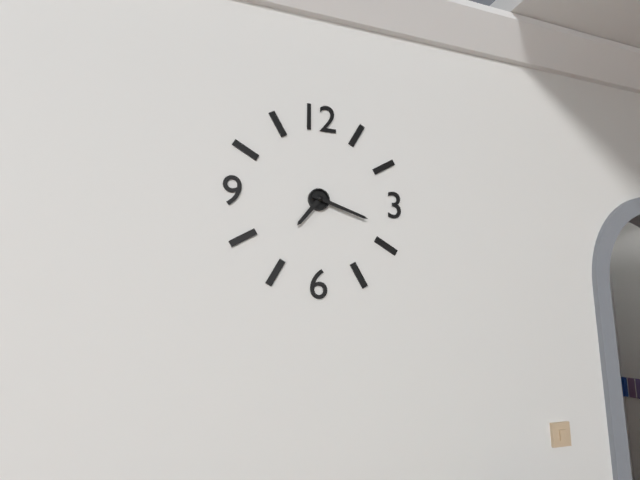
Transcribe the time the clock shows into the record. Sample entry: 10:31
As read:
7:18
